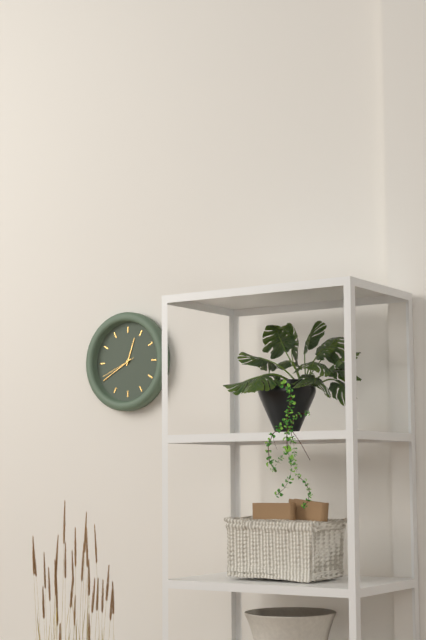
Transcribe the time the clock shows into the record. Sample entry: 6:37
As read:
12:40
